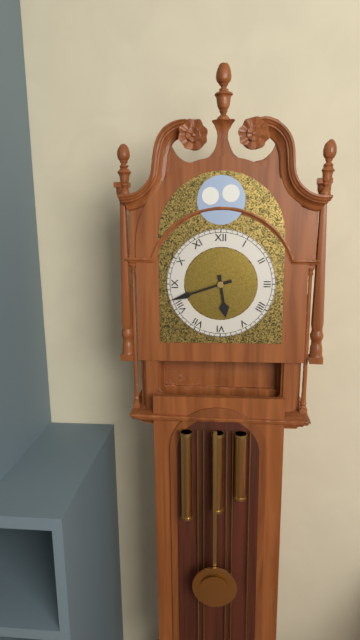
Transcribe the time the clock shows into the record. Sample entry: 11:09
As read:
5:42
